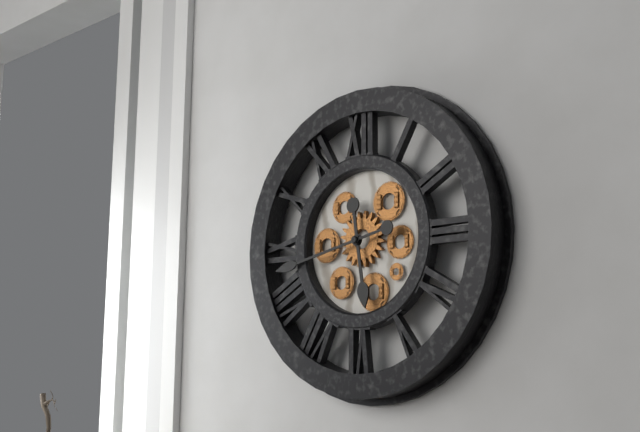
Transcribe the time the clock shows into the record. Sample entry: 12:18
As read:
5:43
